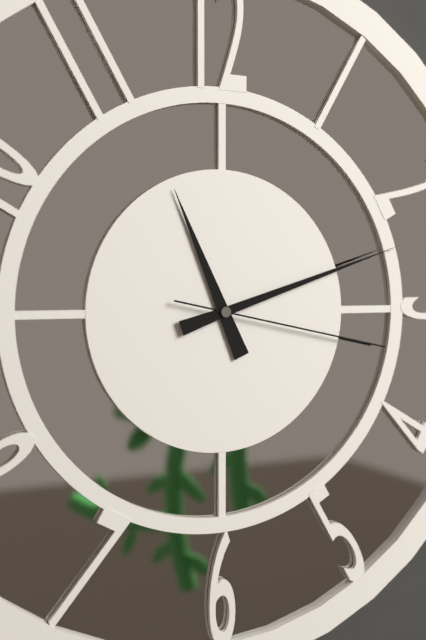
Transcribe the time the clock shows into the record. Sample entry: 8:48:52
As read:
11:12:17
